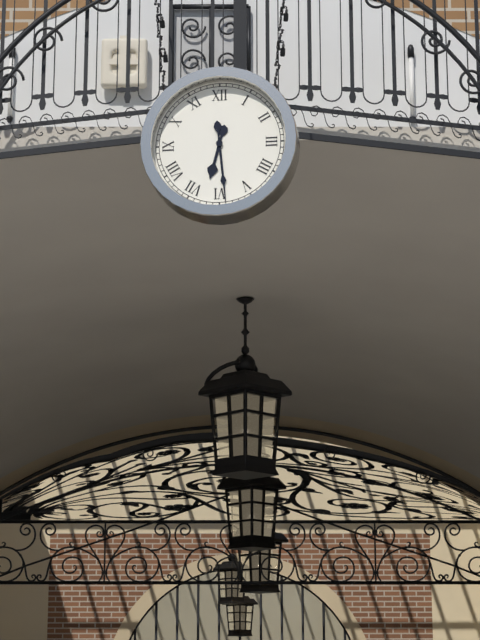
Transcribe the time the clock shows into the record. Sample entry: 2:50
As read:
6:29
